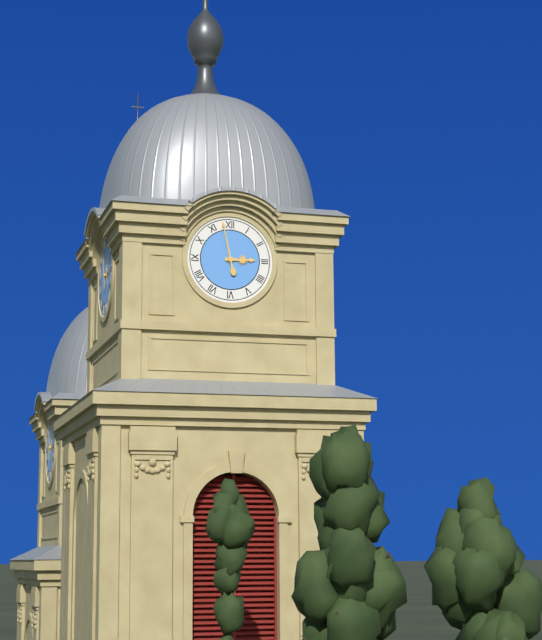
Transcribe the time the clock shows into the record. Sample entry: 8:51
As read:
2:58
